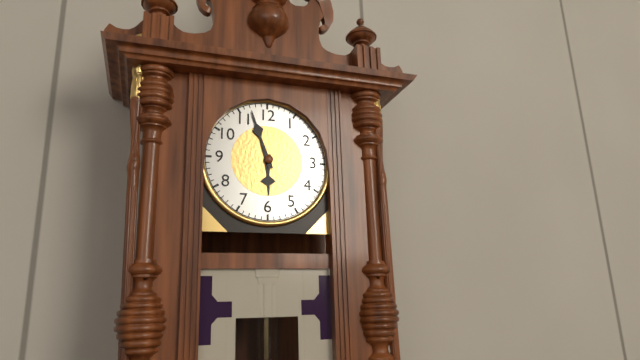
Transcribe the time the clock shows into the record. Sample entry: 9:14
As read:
5:57
